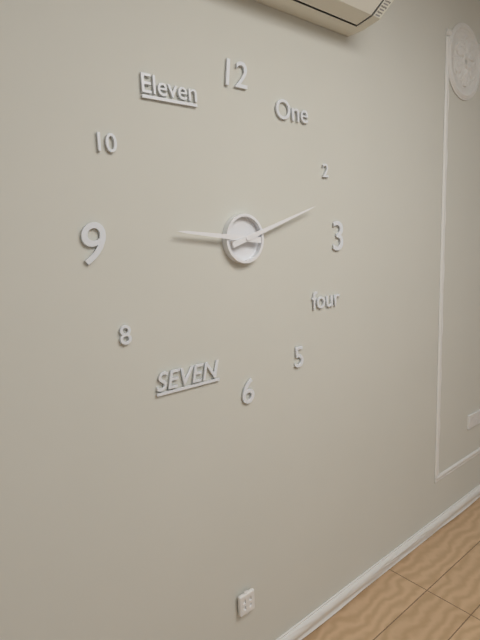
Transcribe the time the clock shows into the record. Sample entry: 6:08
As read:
9:12
